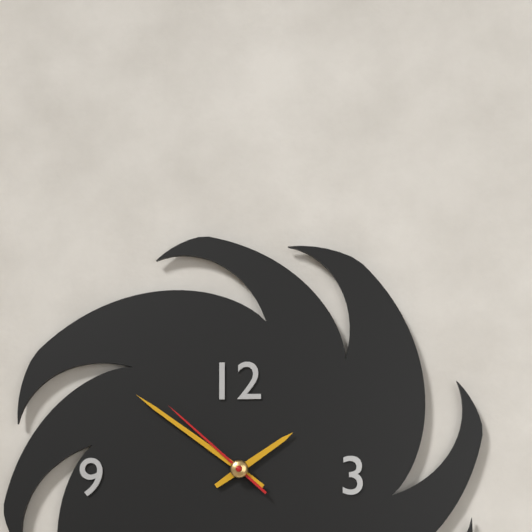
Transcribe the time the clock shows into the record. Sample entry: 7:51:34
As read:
1:51:52
